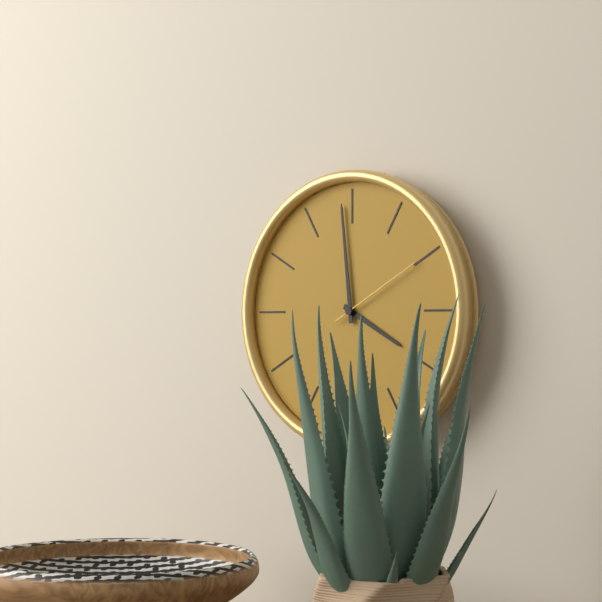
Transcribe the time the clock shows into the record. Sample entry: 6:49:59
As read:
3:59:10
